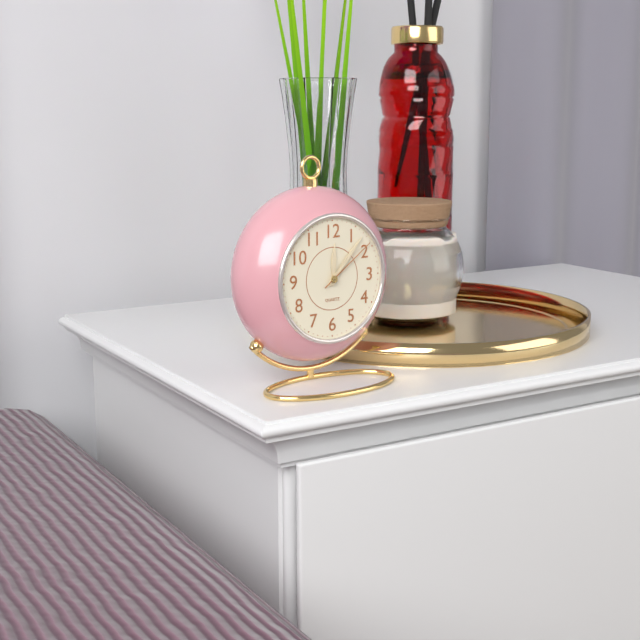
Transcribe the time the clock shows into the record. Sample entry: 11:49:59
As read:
12:07:09
